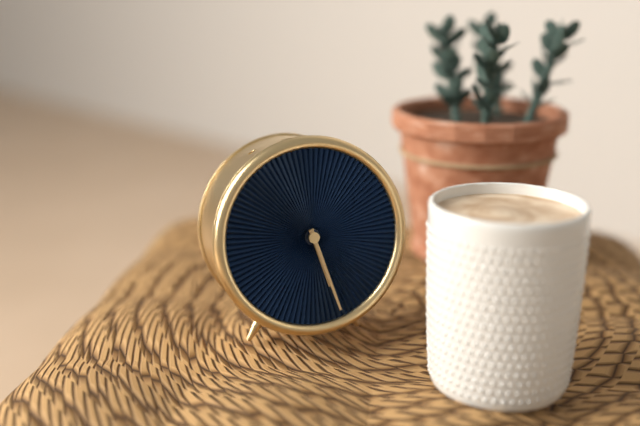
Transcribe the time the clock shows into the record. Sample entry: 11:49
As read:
5:27
